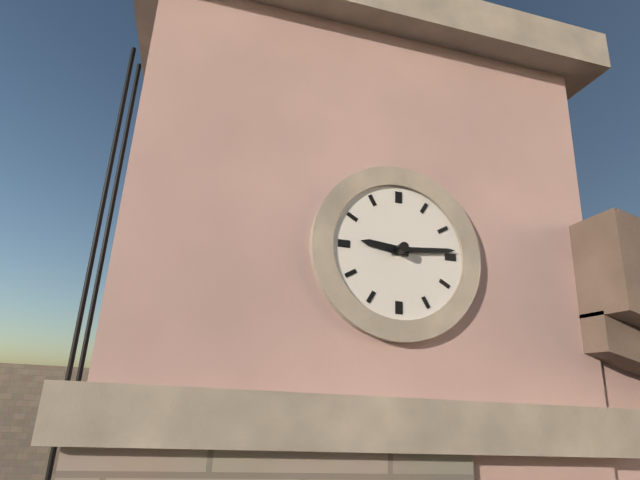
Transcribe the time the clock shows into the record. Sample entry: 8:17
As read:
9:14
